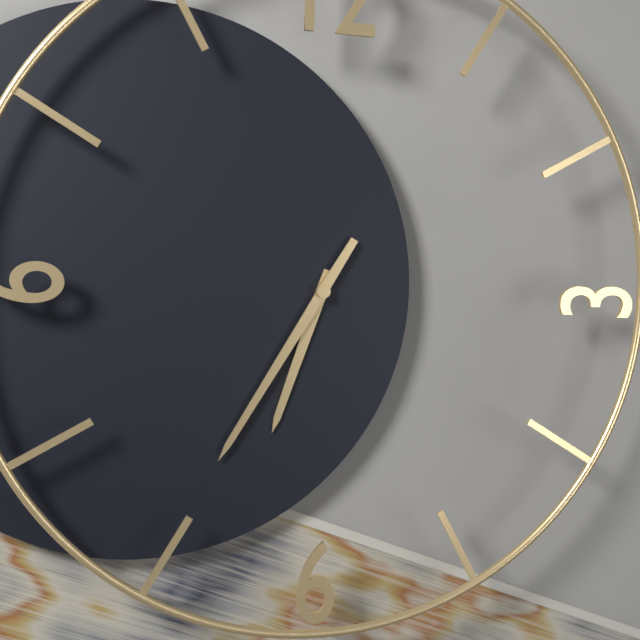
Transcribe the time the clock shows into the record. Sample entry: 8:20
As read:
6:35
